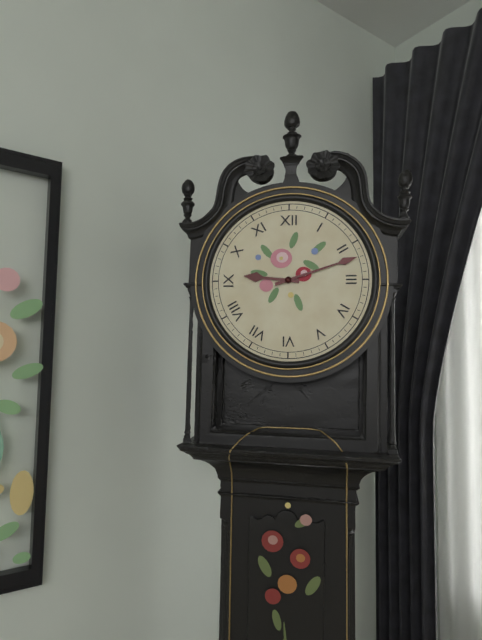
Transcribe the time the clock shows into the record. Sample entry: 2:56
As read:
9:12
